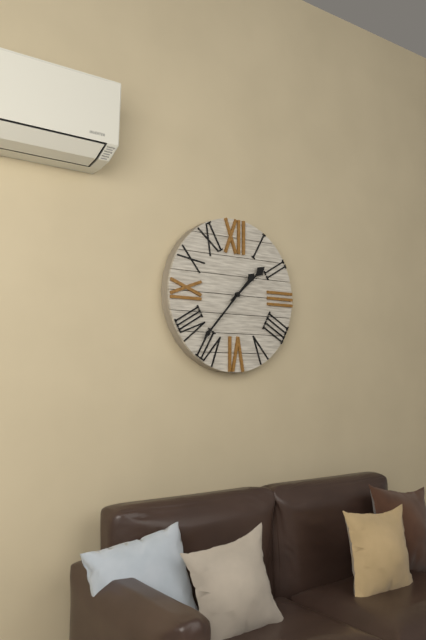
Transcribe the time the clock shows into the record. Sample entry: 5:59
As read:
1:37
